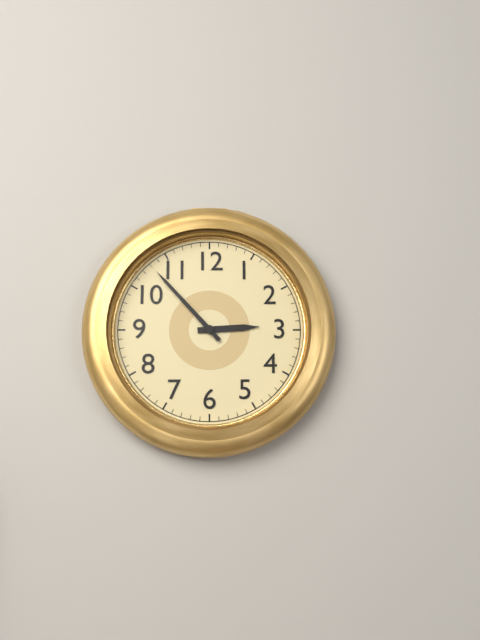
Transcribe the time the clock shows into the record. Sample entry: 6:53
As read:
2:53
